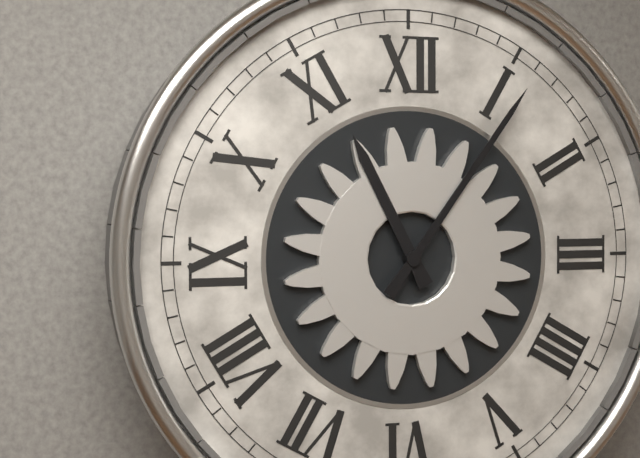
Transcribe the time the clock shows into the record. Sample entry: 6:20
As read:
11:06
